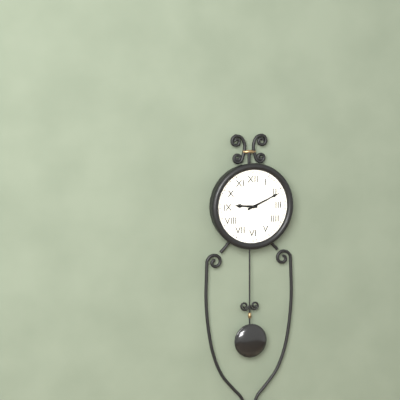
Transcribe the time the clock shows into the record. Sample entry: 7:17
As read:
9:11
